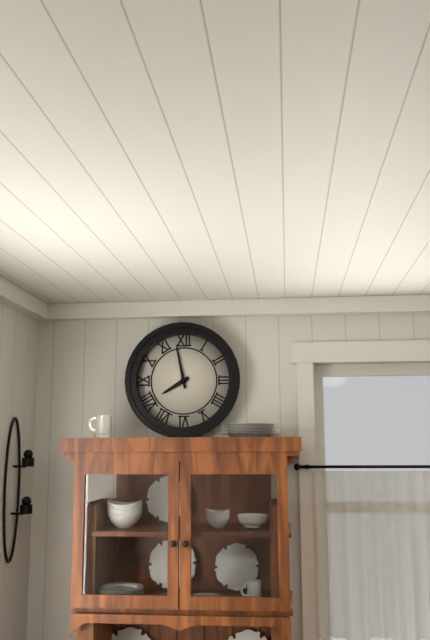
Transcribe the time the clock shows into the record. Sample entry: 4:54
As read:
7:58
